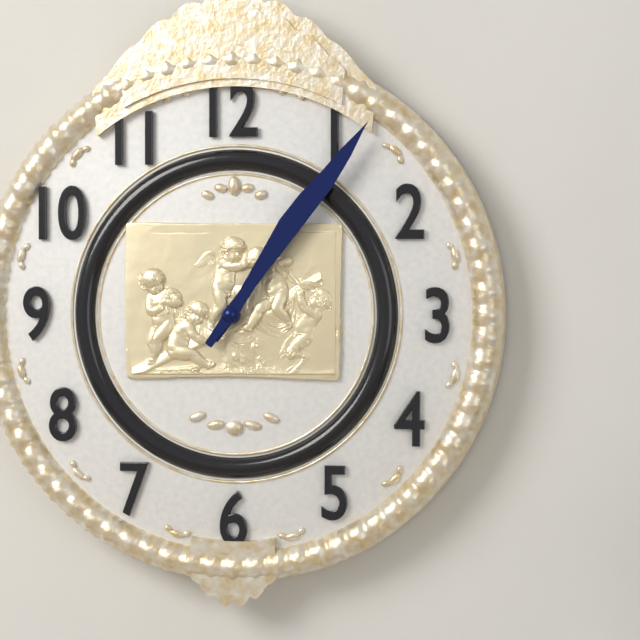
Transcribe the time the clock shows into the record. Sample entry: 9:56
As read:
1:06
